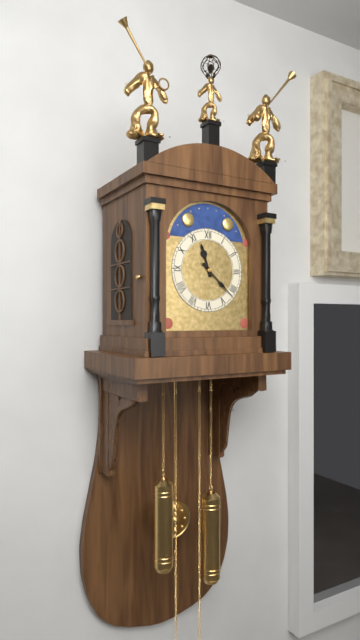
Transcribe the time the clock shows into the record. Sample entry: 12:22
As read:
11:22
